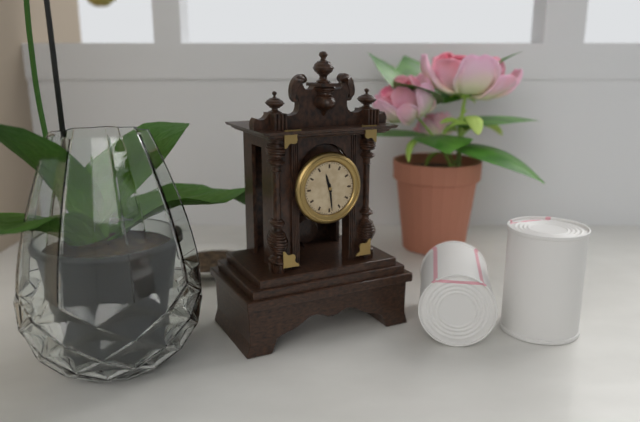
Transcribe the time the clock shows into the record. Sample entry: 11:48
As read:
11:29
